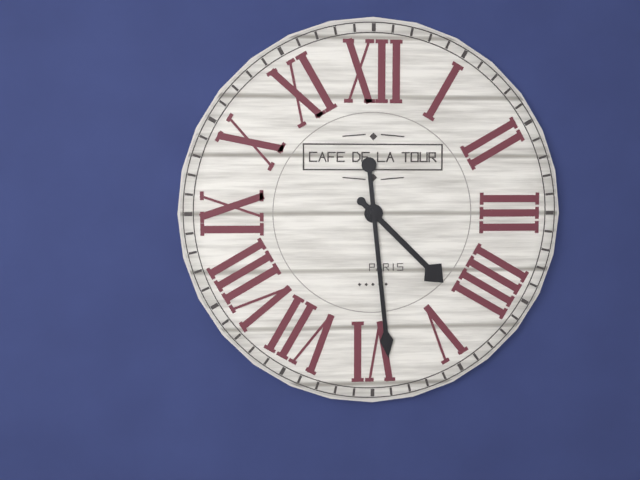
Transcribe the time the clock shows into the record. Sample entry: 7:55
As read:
4:29
